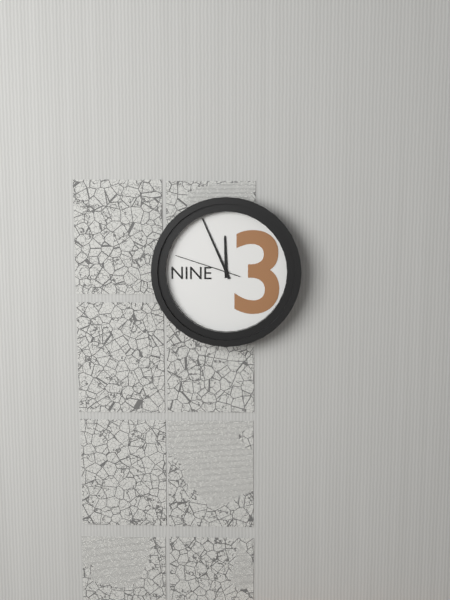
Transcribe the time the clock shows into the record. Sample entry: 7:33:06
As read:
11:56:48
